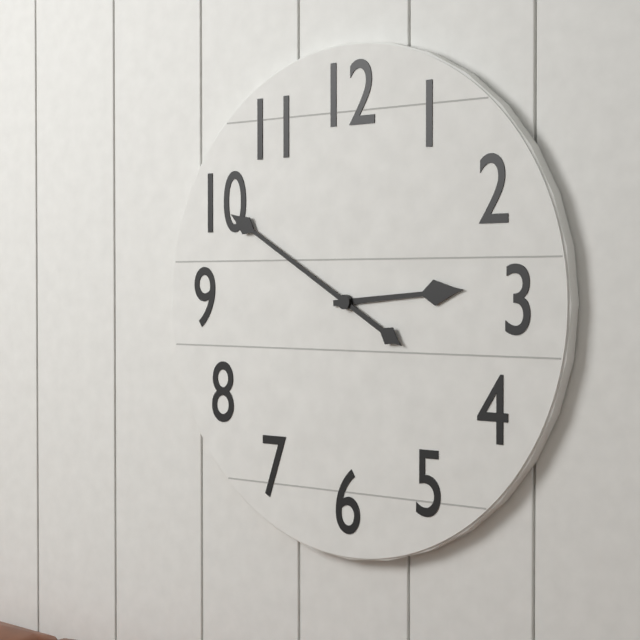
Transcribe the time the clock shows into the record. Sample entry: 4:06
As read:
2:50
